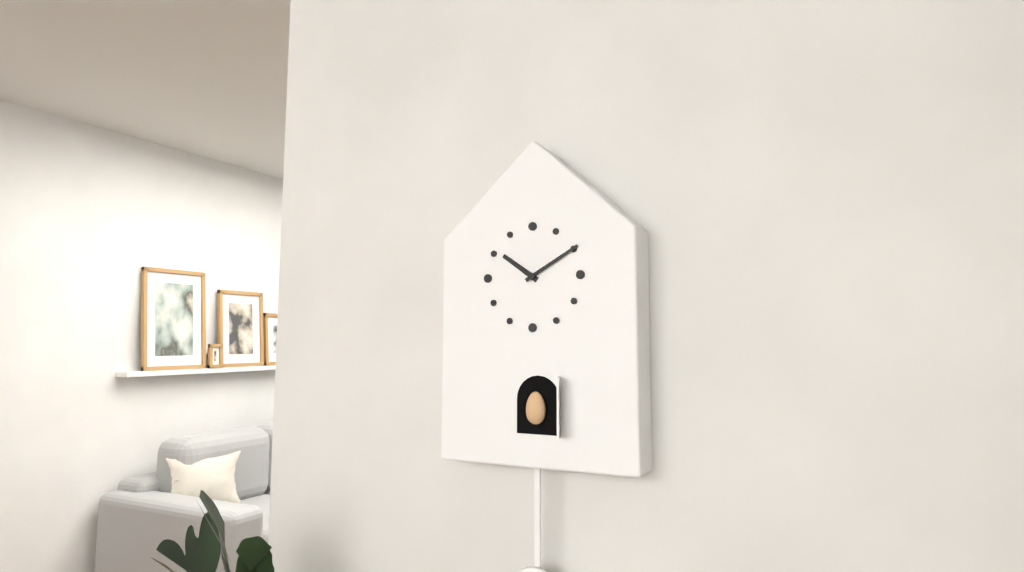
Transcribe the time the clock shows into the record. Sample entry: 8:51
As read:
10:10
